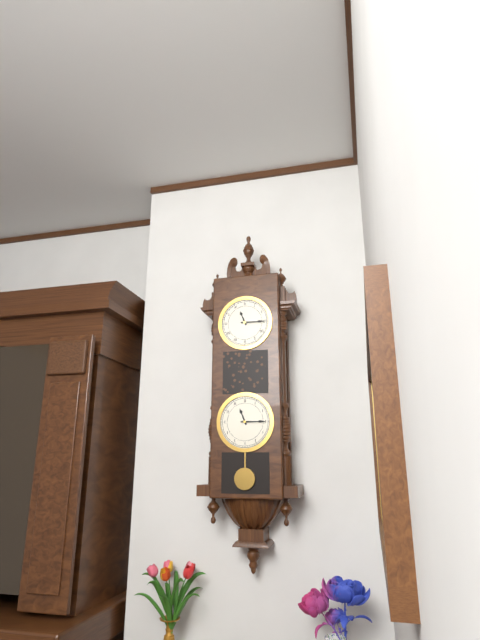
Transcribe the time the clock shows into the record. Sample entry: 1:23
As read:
11:15
